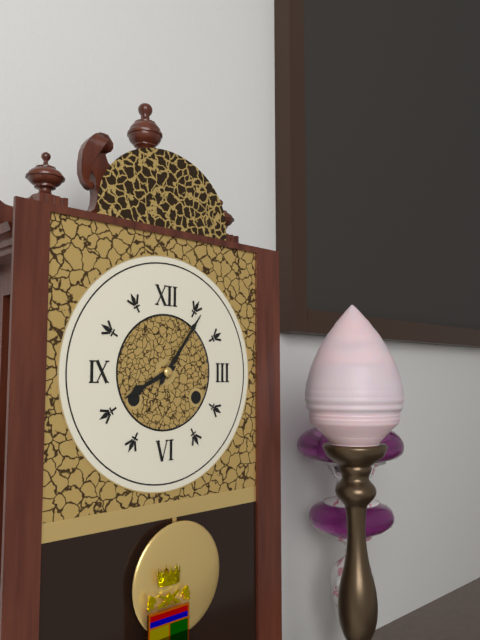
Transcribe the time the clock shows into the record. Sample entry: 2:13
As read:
8:06
